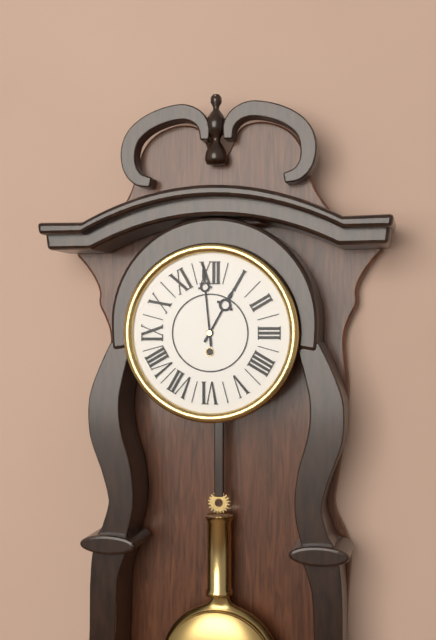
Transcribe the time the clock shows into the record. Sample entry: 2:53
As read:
12:59
